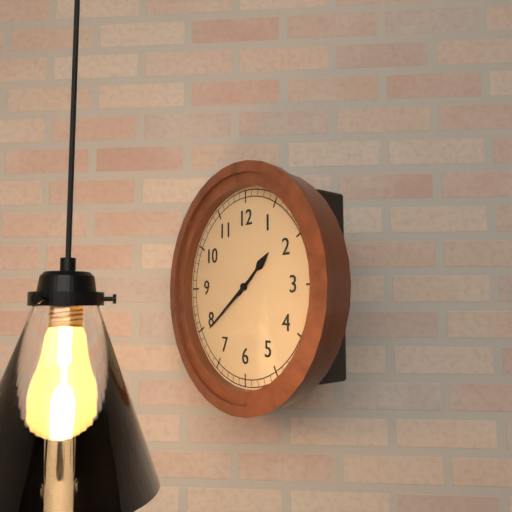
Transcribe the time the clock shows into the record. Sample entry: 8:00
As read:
1:39
